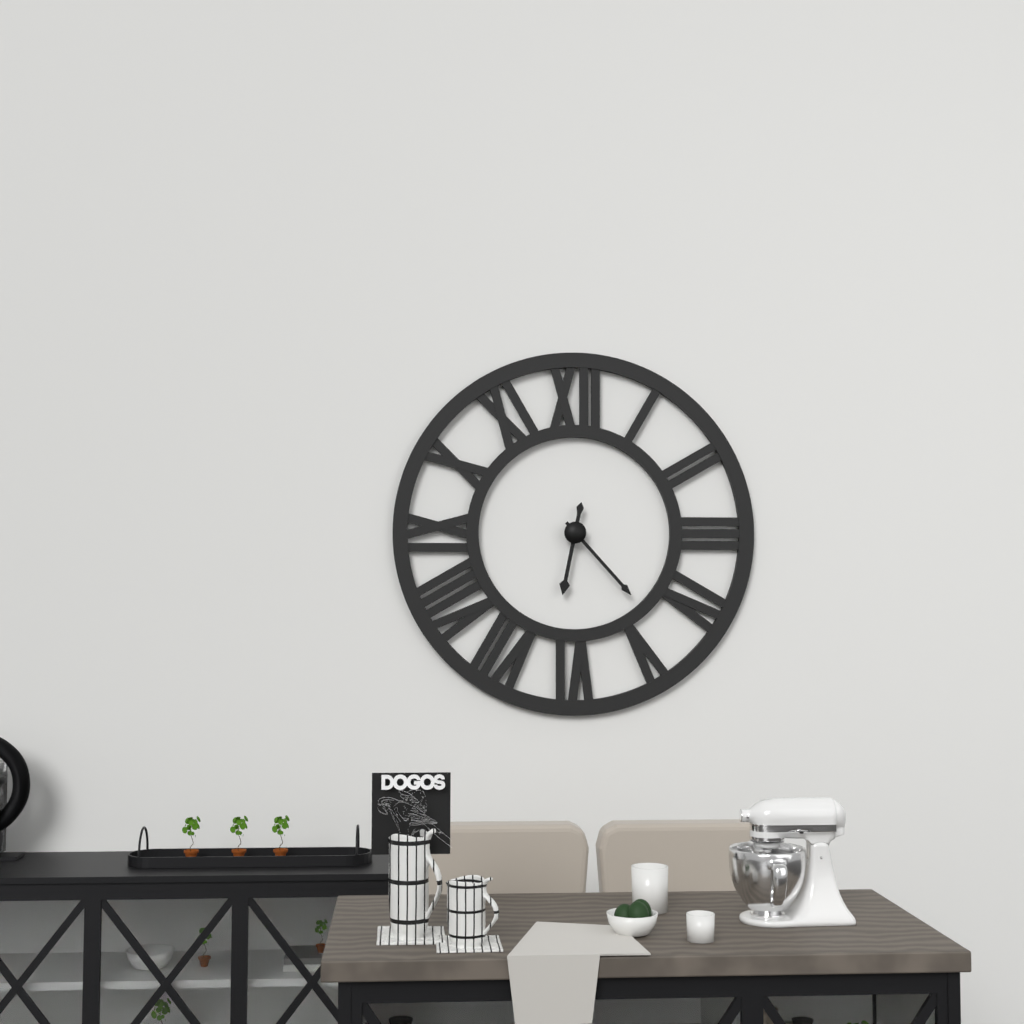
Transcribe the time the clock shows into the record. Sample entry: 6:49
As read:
6:23
